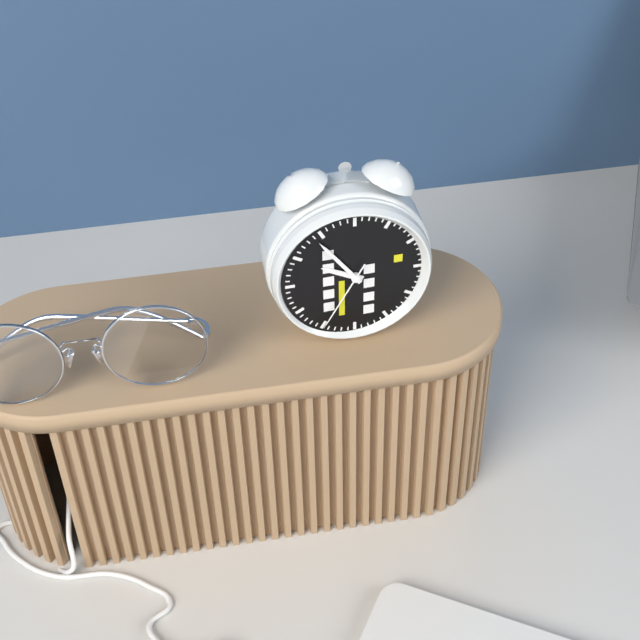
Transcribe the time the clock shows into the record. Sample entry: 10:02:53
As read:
9:54:35
